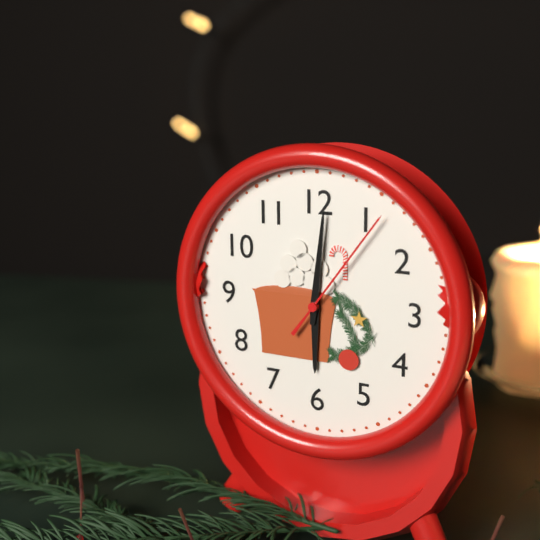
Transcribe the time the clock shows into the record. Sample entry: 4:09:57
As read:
6:01:06
